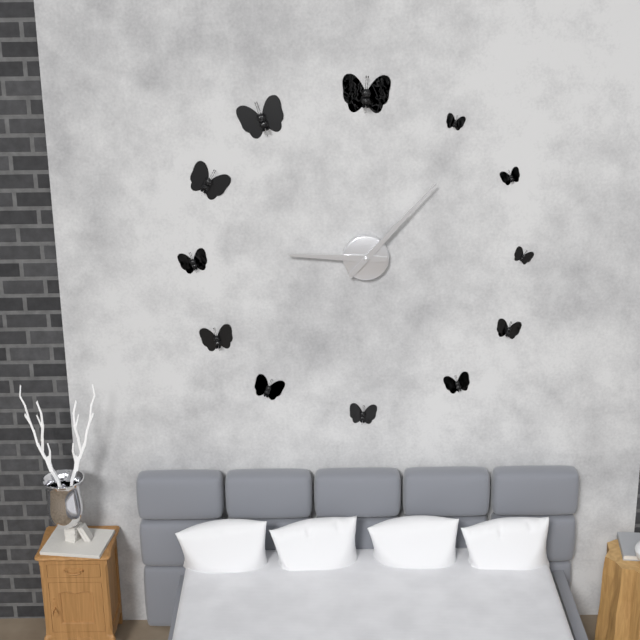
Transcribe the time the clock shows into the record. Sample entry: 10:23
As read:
9:07
